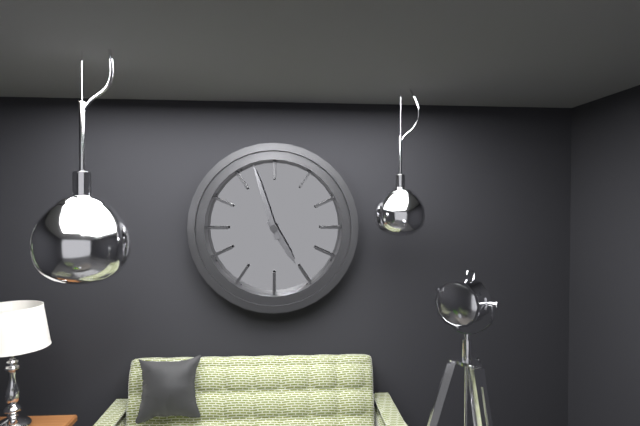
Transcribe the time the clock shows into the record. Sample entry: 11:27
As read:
4:57
